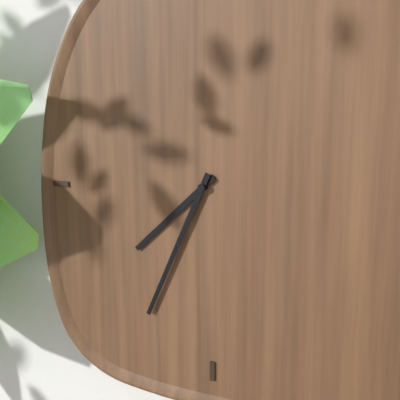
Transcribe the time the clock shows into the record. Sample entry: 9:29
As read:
7:34
